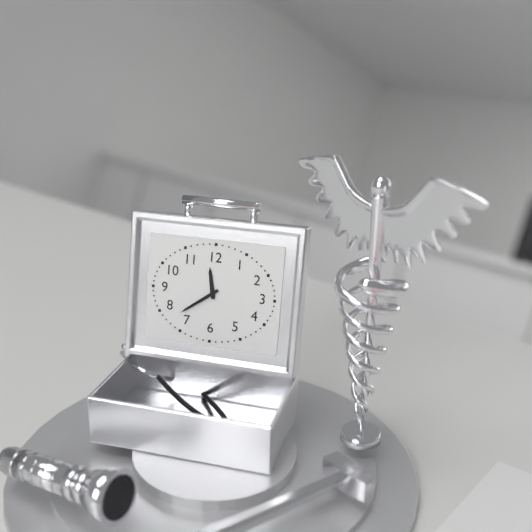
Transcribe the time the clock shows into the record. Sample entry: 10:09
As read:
11:39
